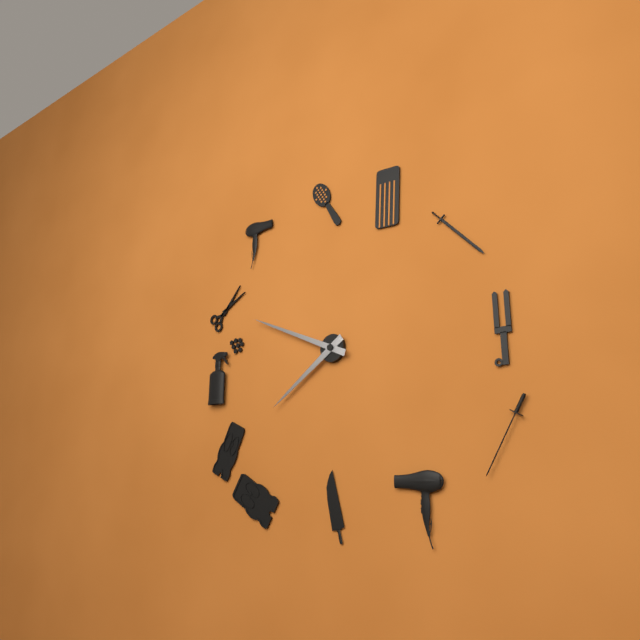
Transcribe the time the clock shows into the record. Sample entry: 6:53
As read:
7:49
